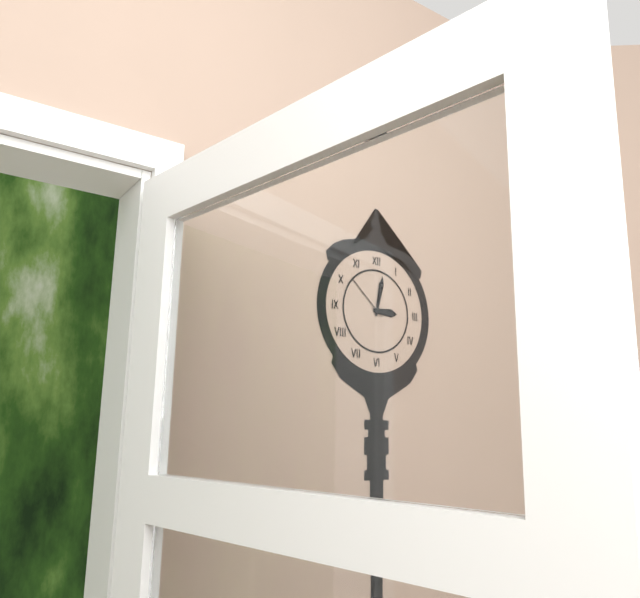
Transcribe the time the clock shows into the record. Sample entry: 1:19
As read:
3:02
